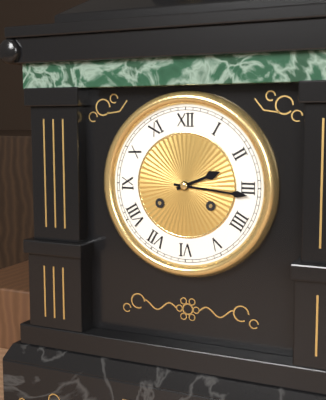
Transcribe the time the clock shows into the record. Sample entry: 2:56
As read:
2:16
